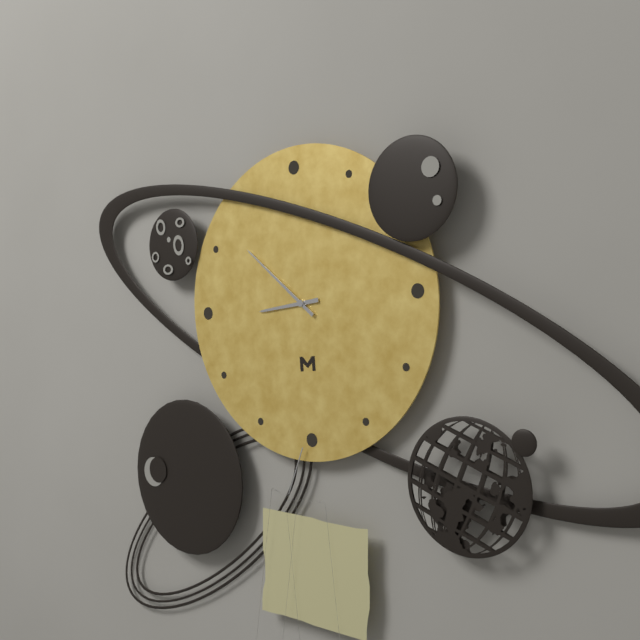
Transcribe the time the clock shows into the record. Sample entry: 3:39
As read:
8:52
